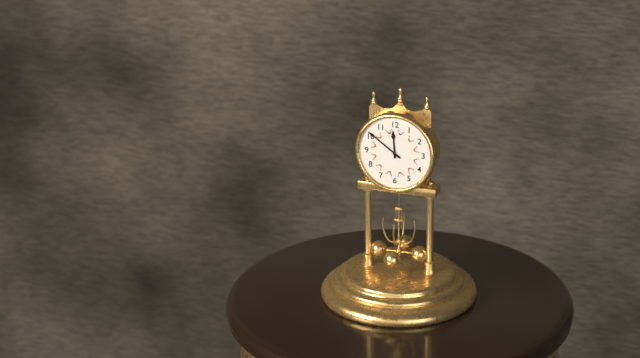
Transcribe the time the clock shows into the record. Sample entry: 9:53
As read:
11:51
